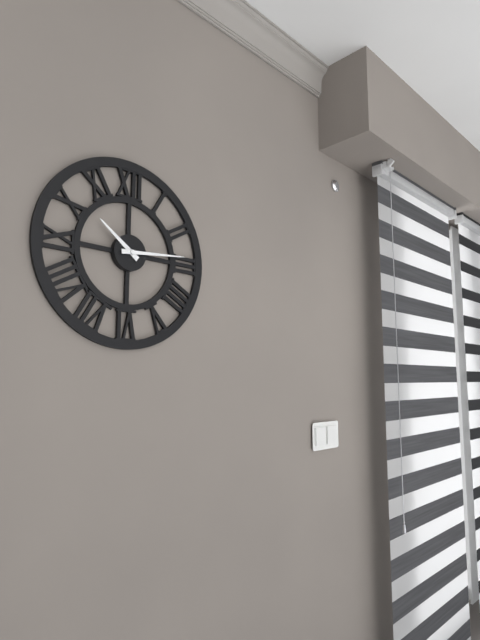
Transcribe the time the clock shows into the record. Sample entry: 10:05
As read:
10:14
